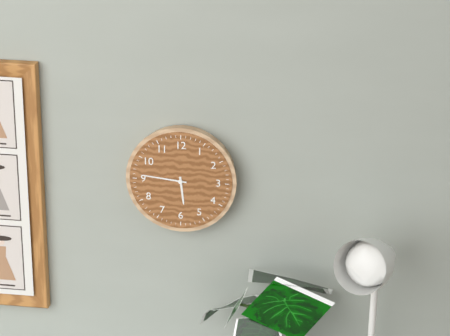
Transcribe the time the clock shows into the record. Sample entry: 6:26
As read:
5:46
